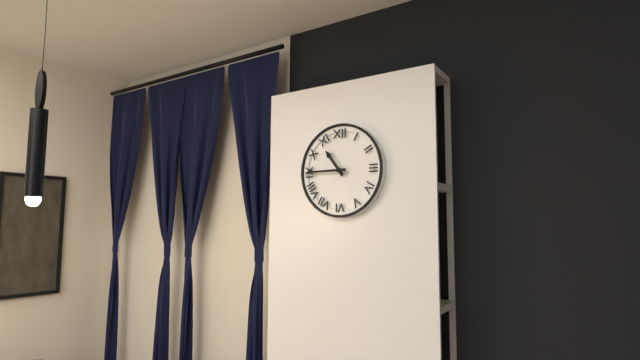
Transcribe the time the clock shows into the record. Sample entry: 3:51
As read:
10:45
